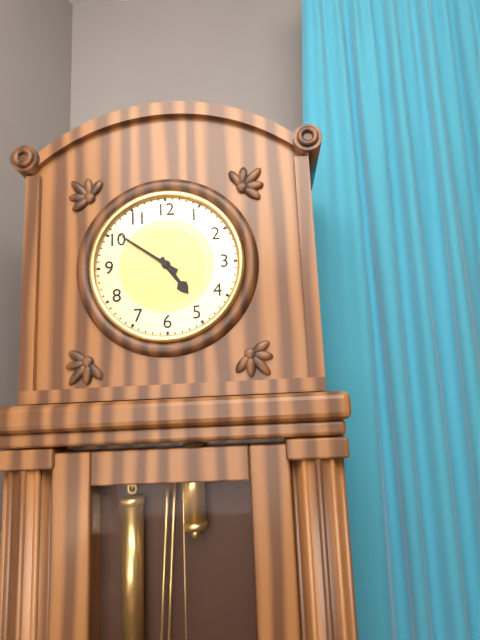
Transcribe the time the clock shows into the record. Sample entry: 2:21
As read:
4:51
